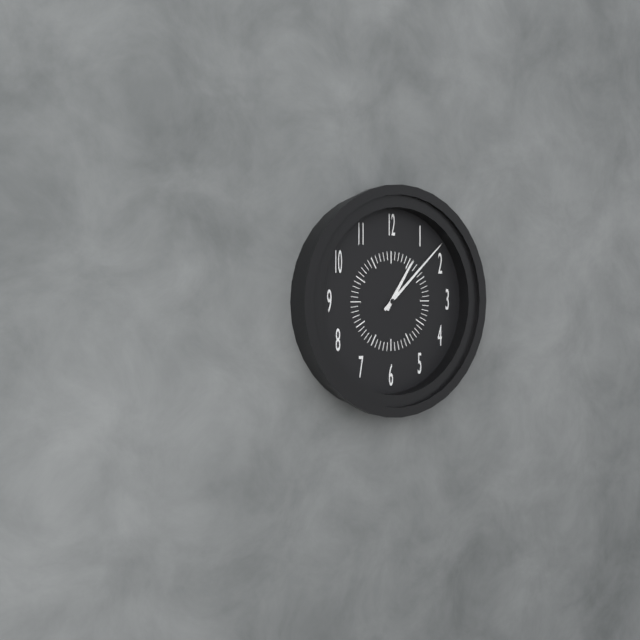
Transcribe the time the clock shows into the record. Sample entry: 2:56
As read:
1:08
